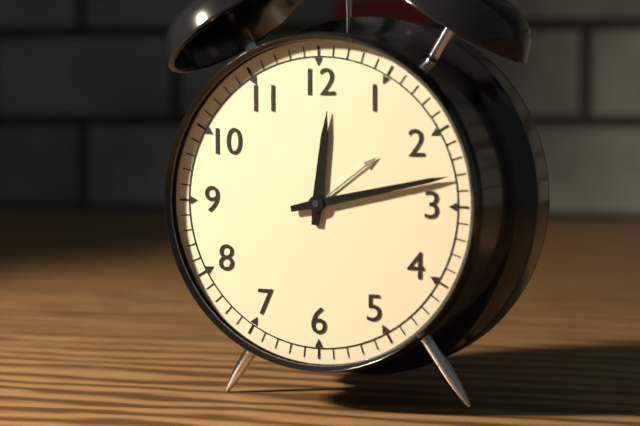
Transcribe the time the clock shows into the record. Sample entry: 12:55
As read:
12:13
